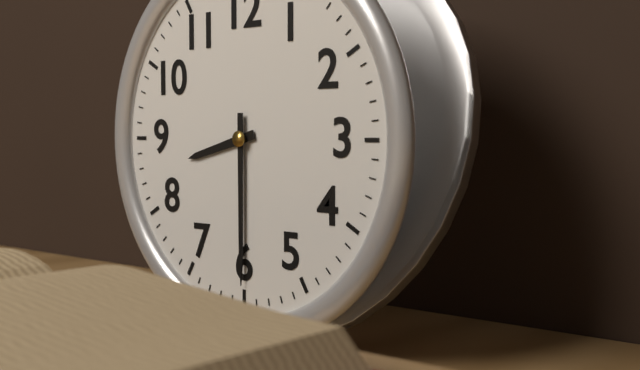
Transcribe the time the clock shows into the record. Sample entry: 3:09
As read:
8:30
